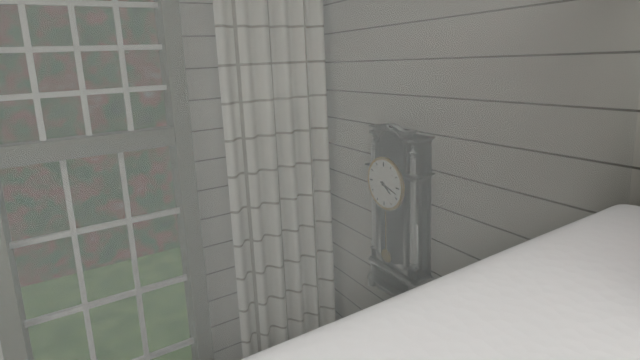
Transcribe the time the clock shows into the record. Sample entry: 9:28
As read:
4:18
